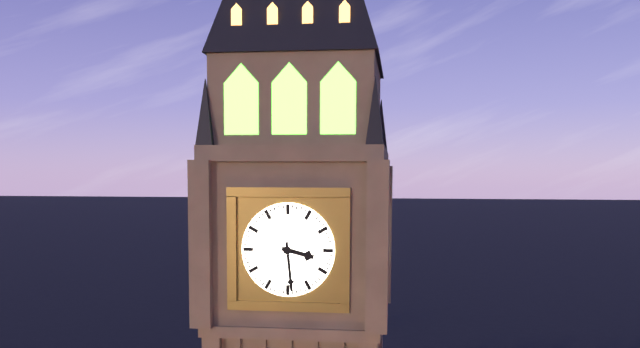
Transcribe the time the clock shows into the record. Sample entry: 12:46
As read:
3:29
